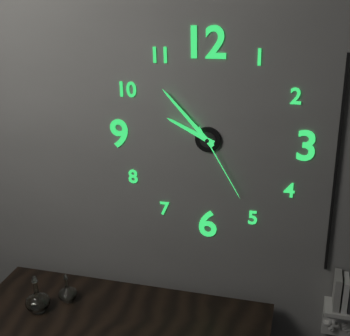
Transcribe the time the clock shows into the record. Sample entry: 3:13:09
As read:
9:53:25
